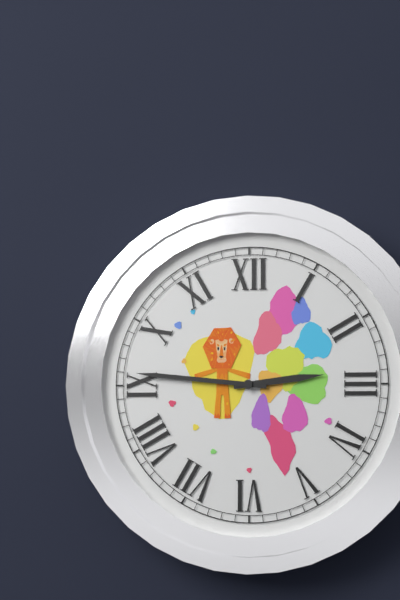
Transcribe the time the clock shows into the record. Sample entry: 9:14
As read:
2:46
